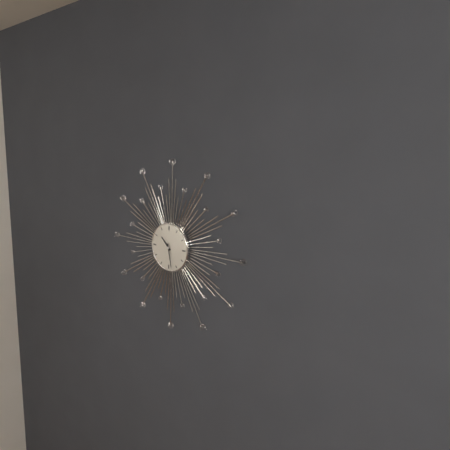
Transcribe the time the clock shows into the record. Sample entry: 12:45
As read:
10:28
